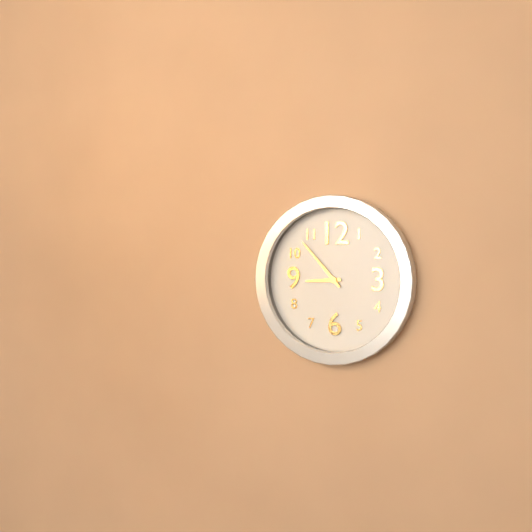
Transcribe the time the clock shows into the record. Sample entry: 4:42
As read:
8:53
